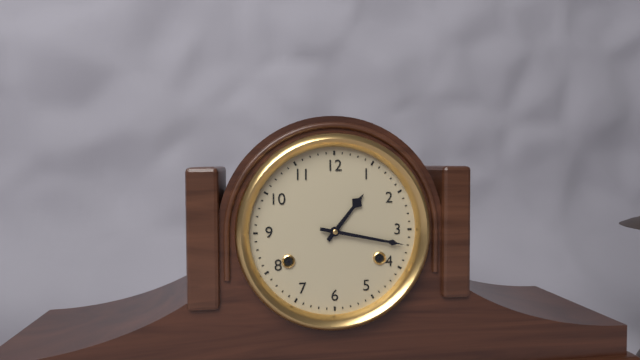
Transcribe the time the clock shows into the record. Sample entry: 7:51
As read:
1:17
